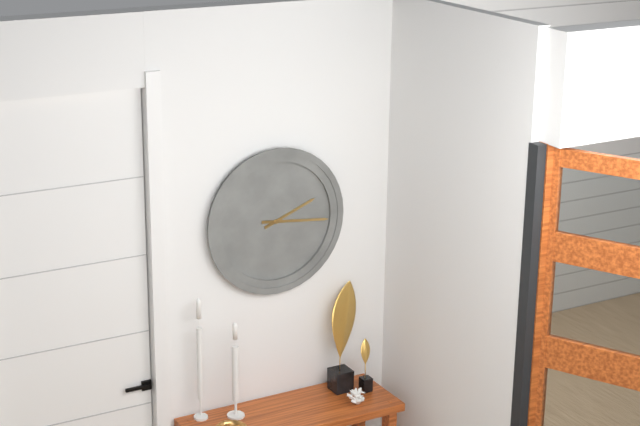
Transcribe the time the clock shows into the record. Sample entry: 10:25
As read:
2:16
